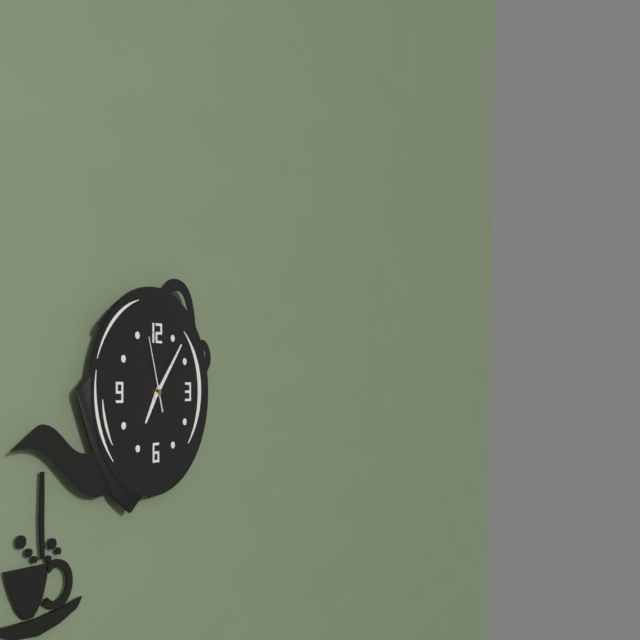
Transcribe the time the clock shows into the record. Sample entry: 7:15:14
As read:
7:07:57
